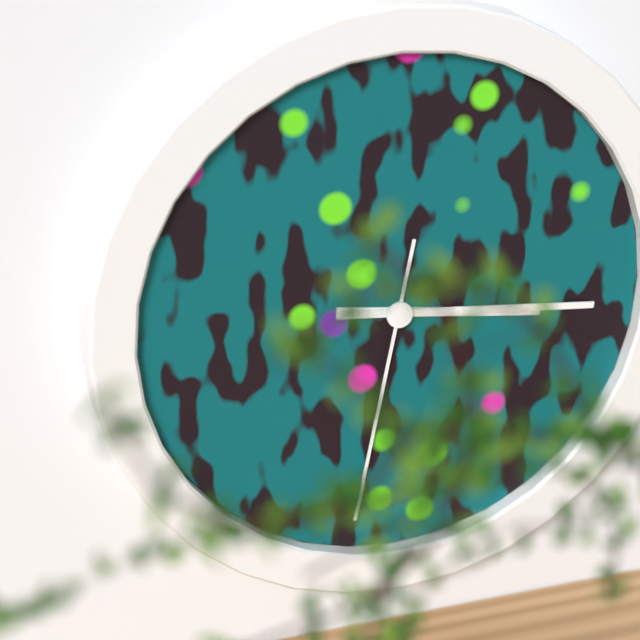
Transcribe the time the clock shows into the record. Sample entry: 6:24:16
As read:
3:16:32
